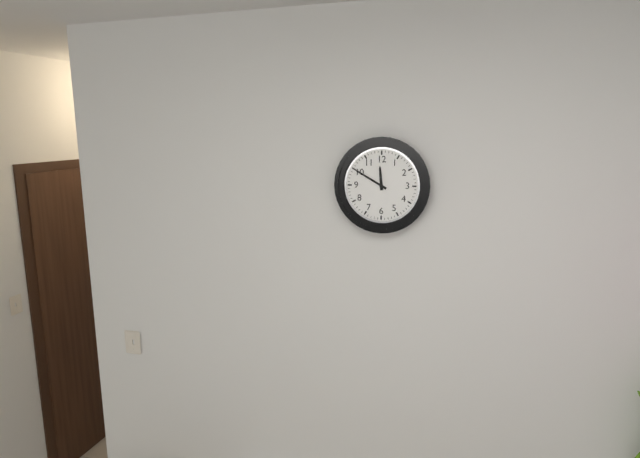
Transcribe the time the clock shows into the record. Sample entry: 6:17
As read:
11:50
